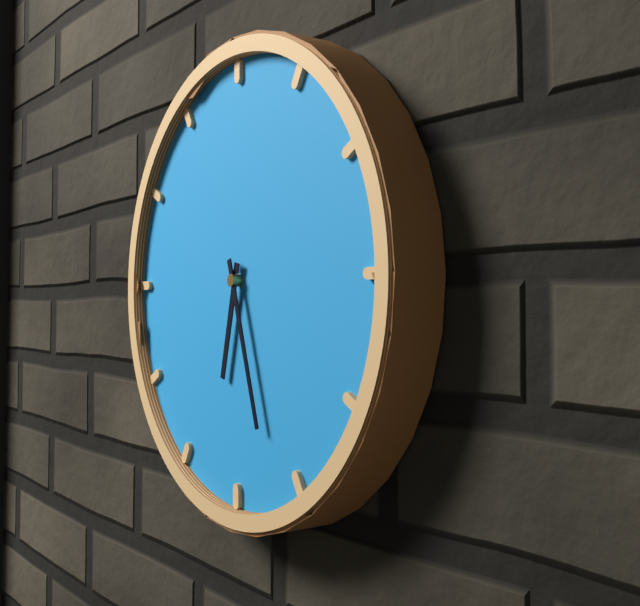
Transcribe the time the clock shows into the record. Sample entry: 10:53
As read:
6:27
